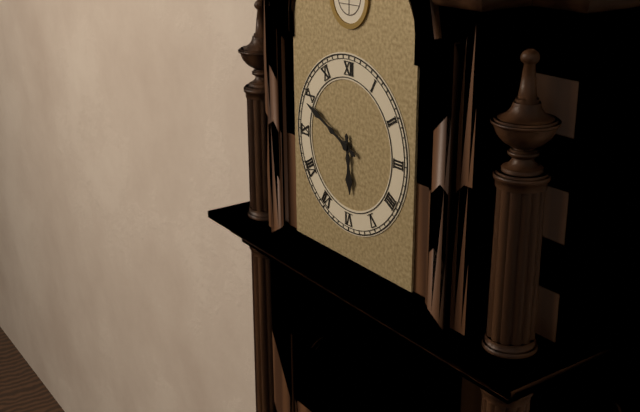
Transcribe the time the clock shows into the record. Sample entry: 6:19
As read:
5:49
